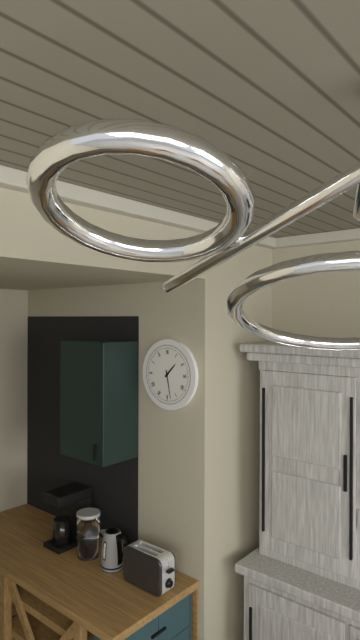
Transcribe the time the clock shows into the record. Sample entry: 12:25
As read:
1:28
